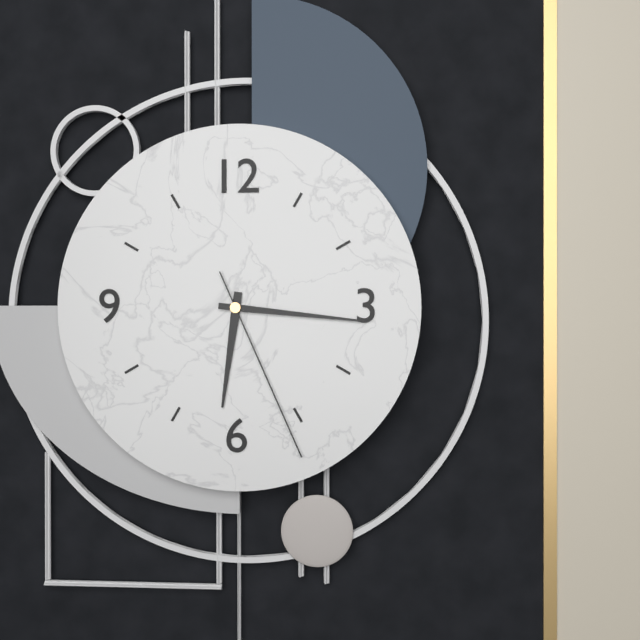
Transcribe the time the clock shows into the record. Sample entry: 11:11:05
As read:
6:16:26
